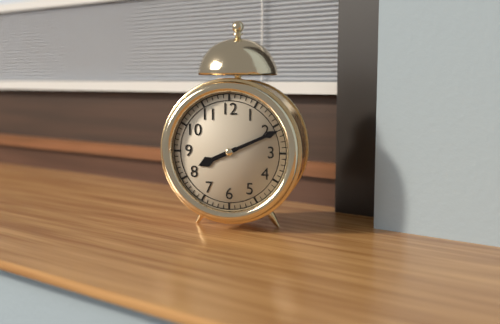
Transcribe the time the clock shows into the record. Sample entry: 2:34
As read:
8:11
